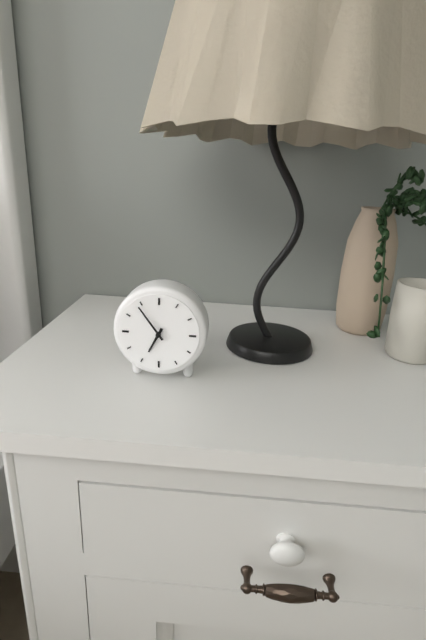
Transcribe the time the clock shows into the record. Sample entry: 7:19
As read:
6:54
